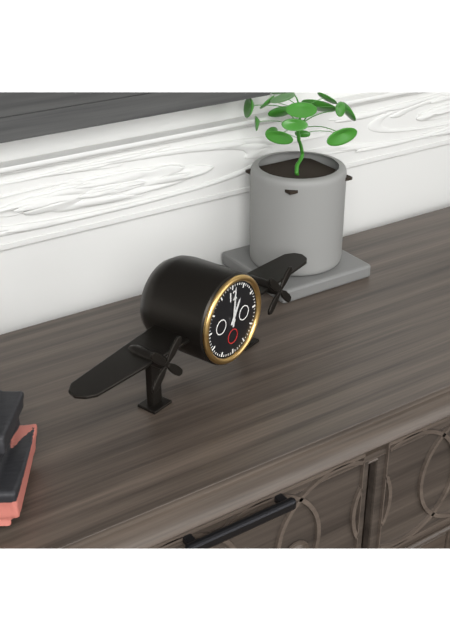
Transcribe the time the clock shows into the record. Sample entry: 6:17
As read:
1:01
